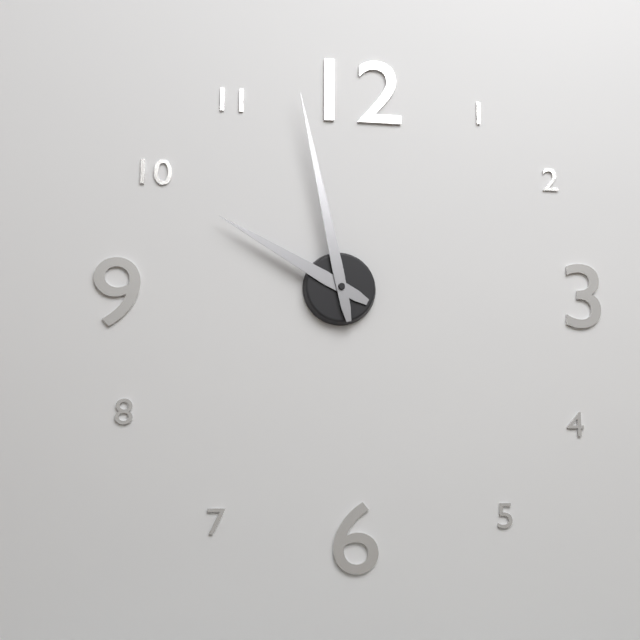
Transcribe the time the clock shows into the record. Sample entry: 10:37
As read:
9:58
